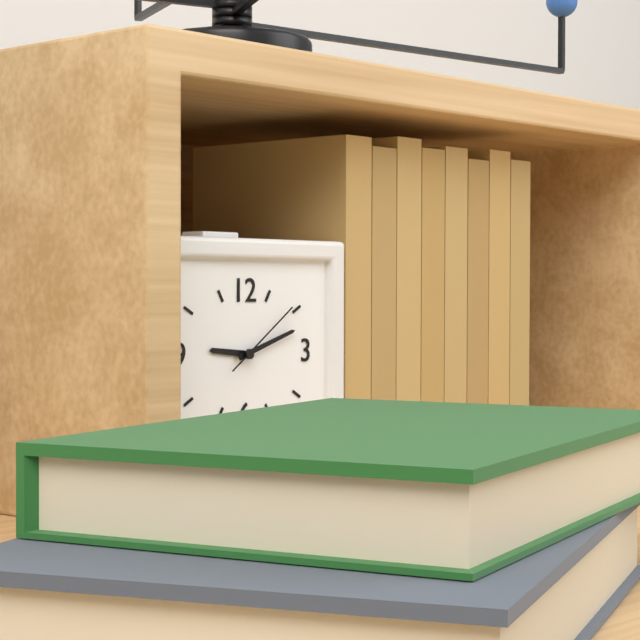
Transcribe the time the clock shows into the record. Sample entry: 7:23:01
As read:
9:12:09
